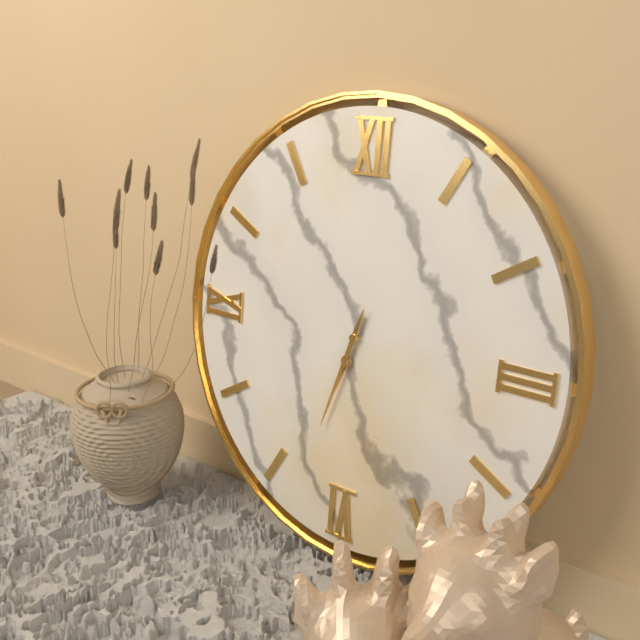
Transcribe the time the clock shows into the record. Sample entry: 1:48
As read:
6:33
